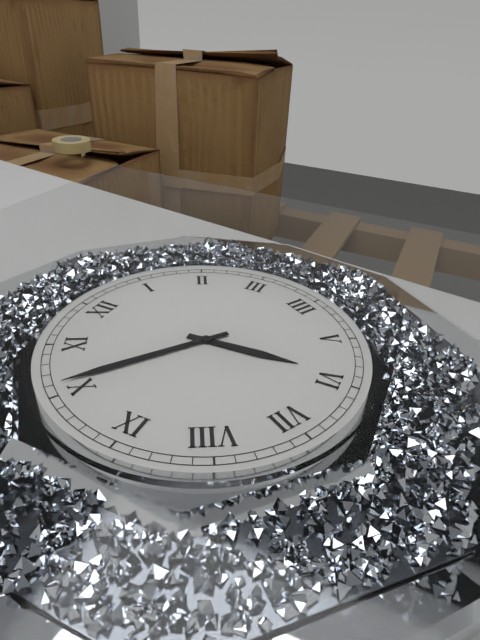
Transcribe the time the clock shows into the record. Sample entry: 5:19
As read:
5:51
